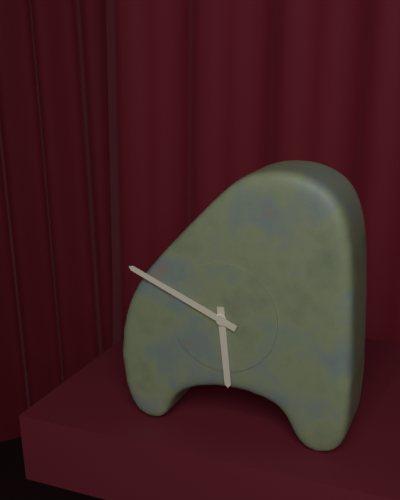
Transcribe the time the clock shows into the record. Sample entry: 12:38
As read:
5:49
